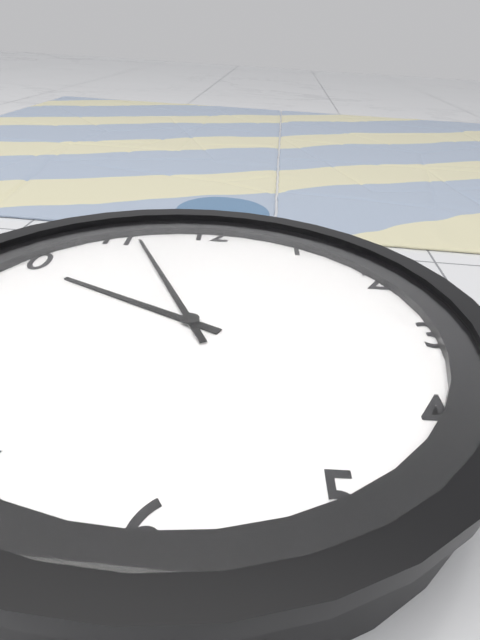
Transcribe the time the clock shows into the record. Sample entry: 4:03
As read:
9:56
